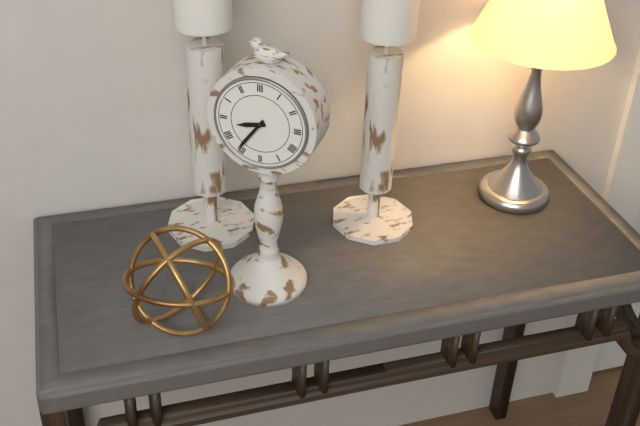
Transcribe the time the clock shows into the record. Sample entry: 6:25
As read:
8:36
